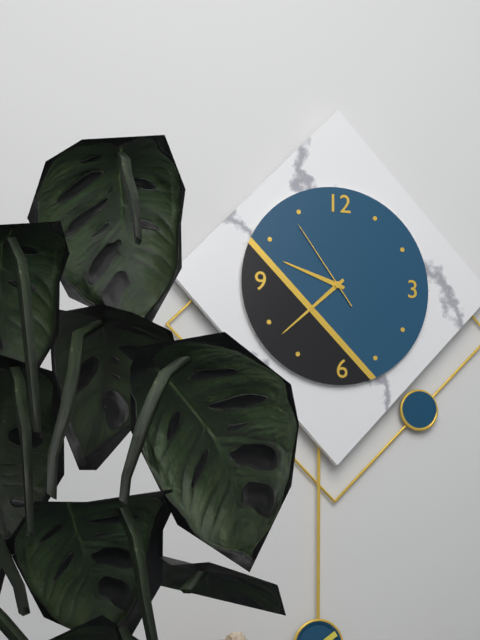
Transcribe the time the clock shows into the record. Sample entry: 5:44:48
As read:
9:38:54
